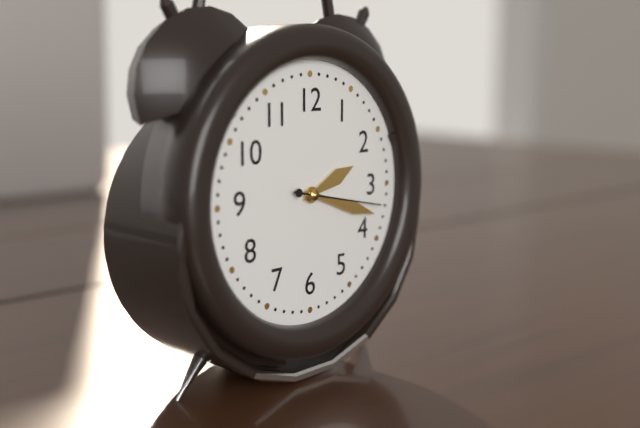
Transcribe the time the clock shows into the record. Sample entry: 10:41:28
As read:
2:18:17
